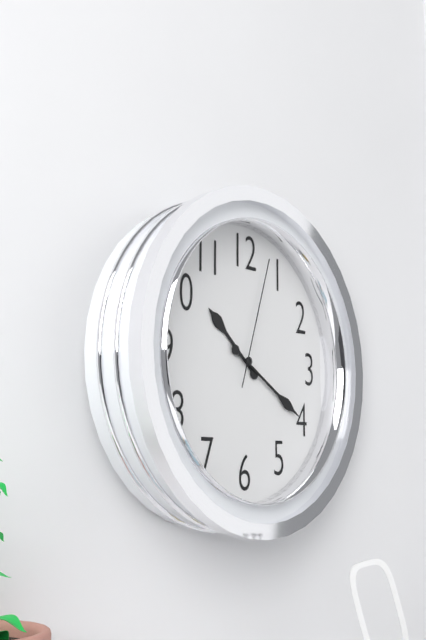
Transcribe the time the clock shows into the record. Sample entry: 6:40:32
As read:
10:20:03
